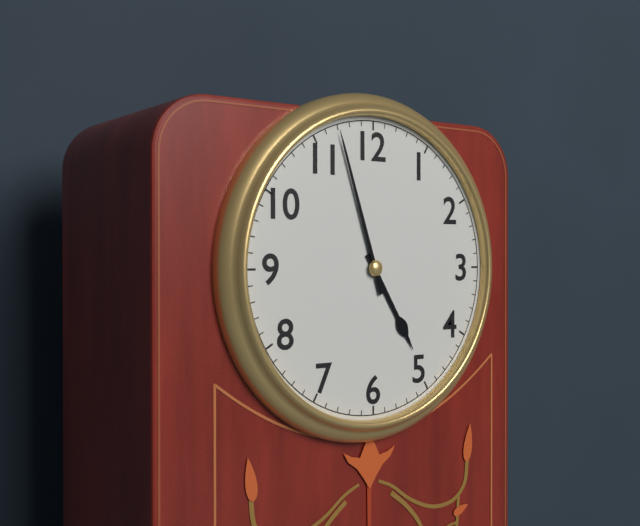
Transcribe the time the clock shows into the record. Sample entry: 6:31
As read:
4:57
